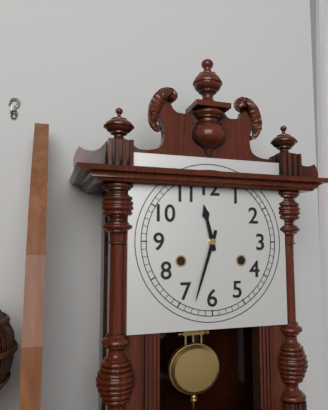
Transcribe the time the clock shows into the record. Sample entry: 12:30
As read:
11:33
